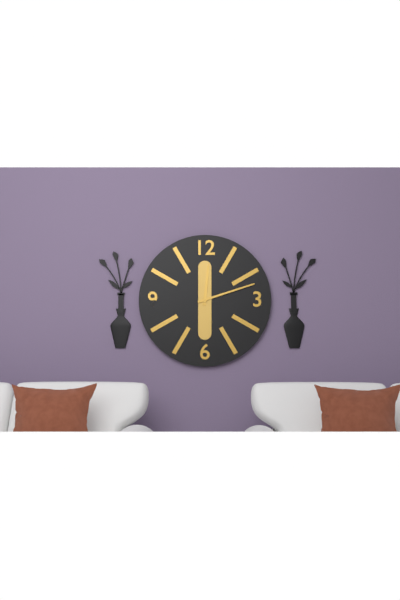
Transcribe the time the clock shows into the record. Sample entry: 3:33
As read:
12:12
